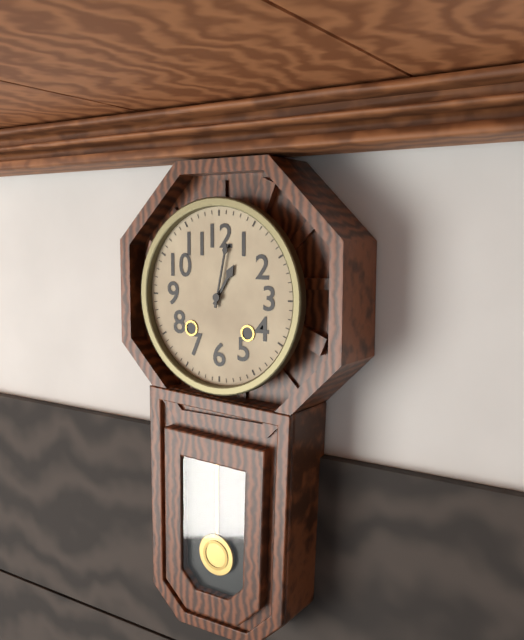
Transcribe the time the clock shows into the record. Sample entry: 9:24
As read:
1:02
